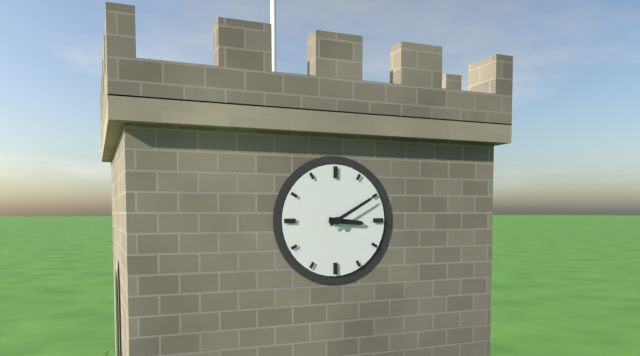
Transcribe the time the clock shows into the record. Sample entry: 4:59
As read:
3:10
